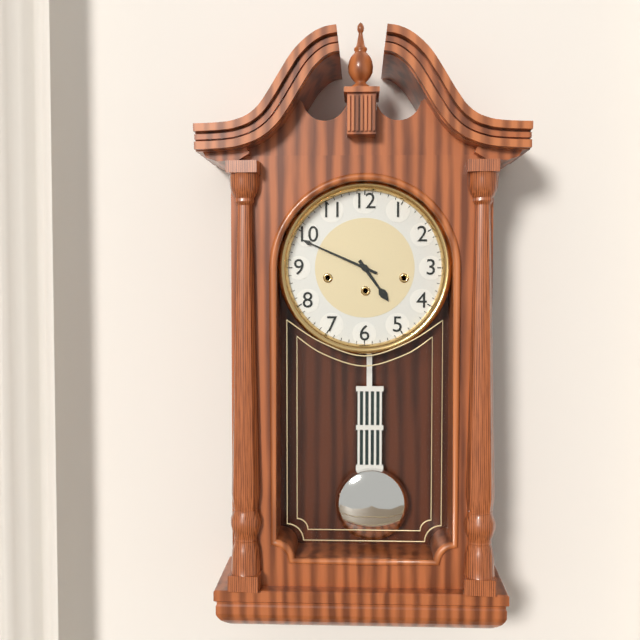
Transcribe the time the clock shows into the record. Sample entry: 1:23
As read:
4:49
